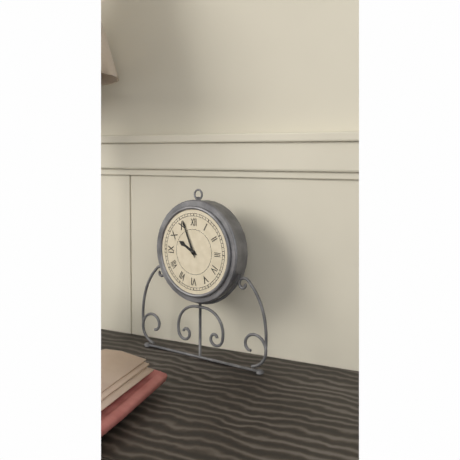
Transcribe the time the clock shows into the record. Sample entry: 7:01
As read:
9:56
